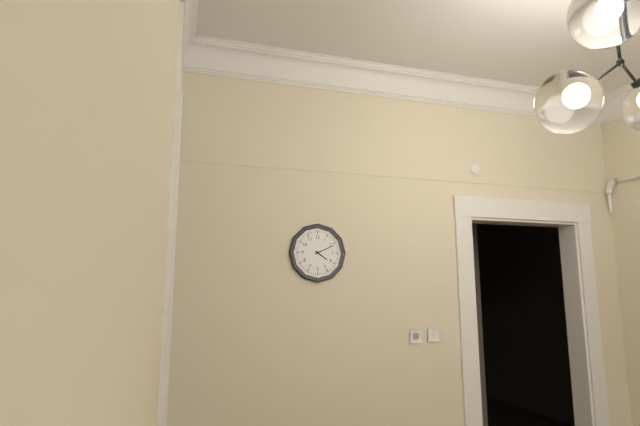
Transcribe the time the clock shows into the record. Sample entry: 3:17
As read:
4:11
